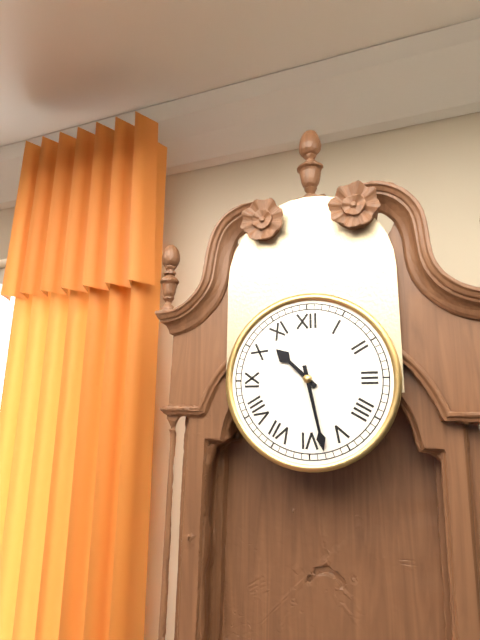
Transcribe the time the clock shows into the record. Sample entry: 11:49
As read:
10:28
